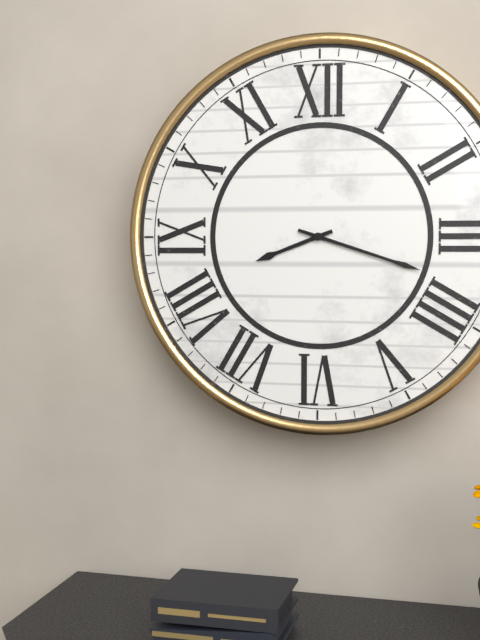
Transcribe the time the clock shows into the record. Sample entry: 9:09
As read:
8:18
